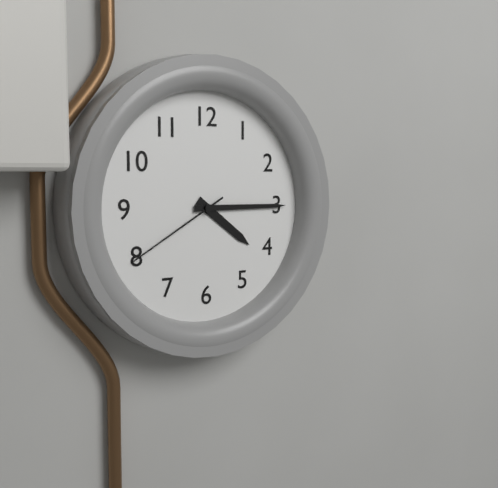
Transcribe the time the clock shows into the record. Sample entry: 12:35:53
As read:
4:15:40
